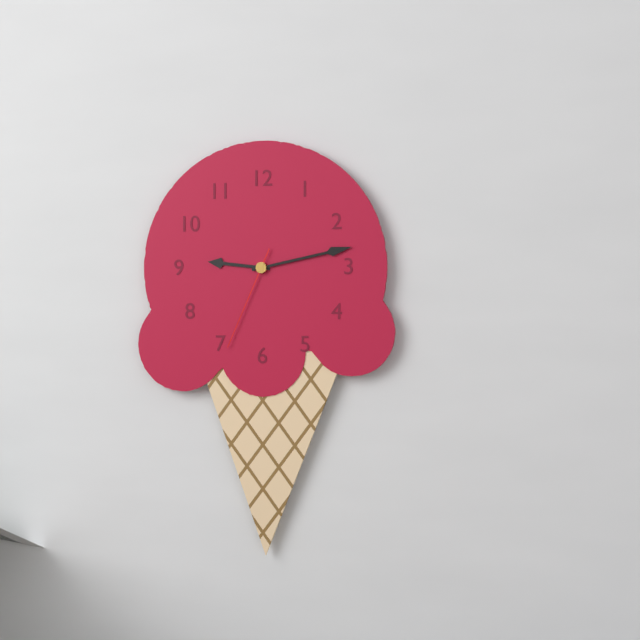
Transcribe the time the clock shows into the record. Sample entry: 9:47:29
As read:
9:13:34
